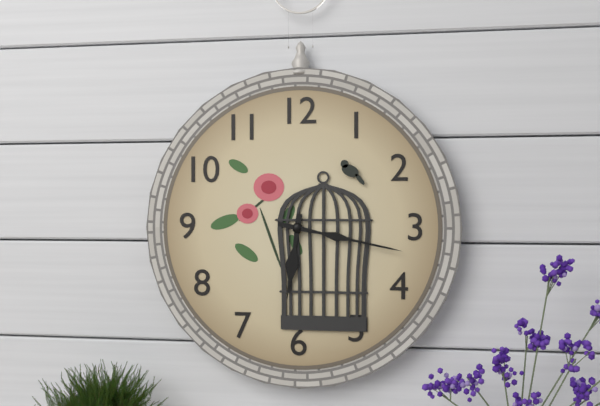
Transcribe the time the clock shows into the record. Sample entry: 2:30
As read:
6:17
